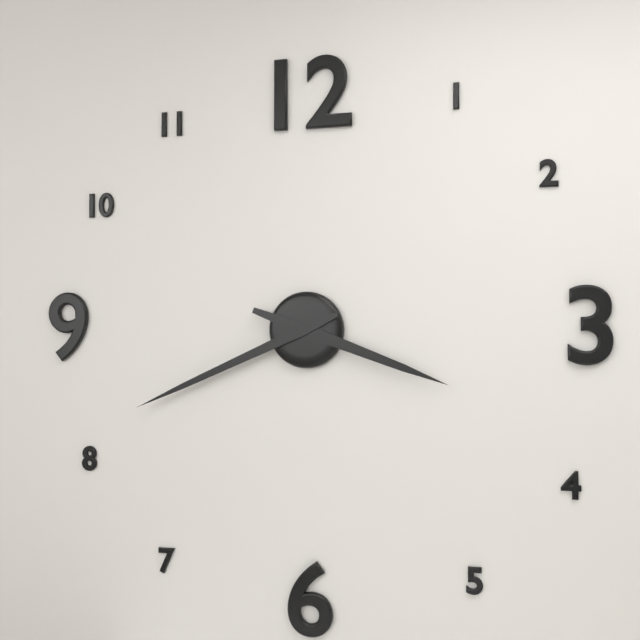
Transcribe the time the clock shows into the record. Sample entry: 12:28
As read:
3:41
